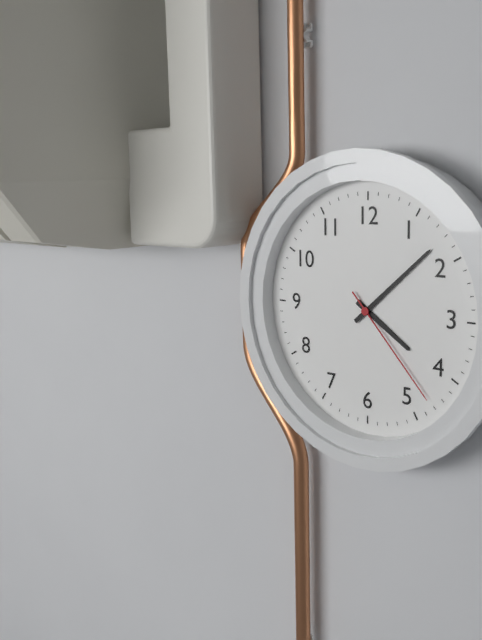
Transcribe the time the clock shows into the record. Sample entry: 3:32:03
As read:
4:08:23
